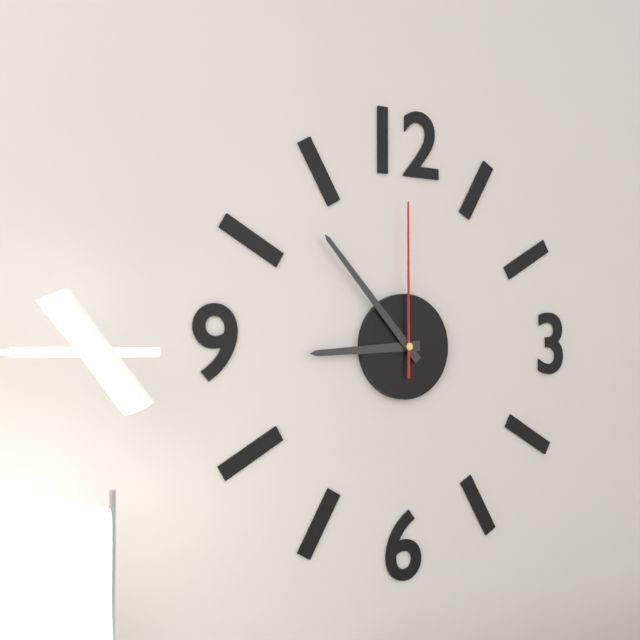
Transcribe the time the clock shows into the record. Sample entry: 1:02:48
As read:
8:53:00
